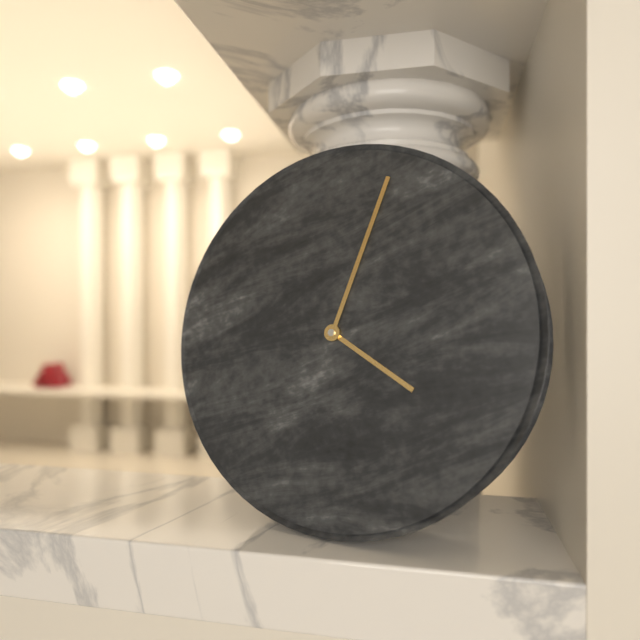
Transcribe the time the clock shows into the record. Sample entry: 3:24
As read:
4:03
